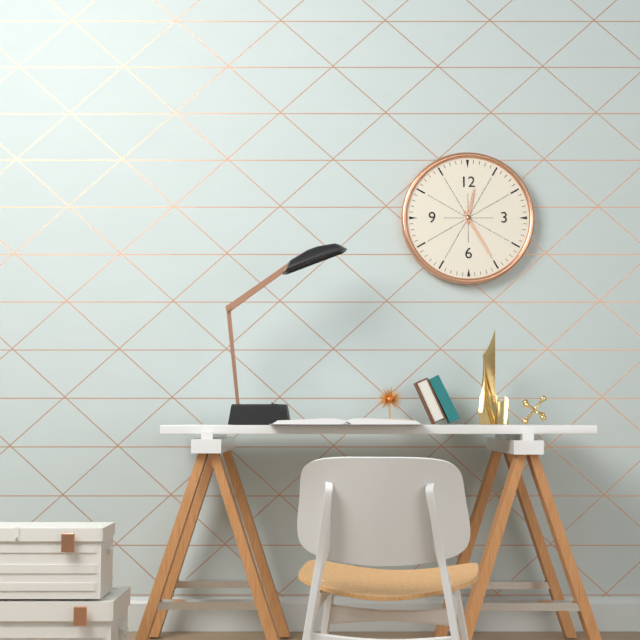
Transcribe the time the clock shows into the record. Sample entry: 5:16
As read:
12:25
